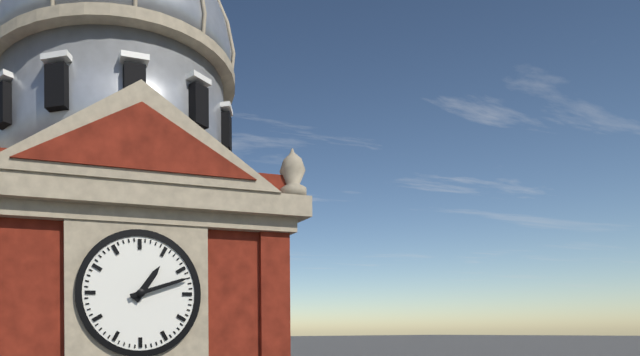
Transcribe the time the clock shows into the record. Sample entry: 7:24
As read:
1:12
